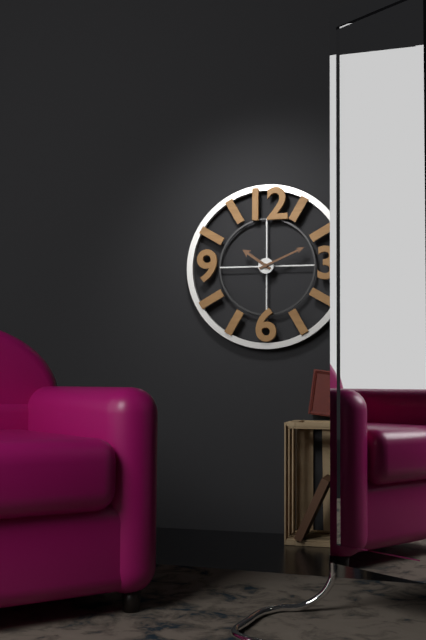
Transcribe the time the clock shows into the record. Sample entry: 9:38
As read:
10:11
